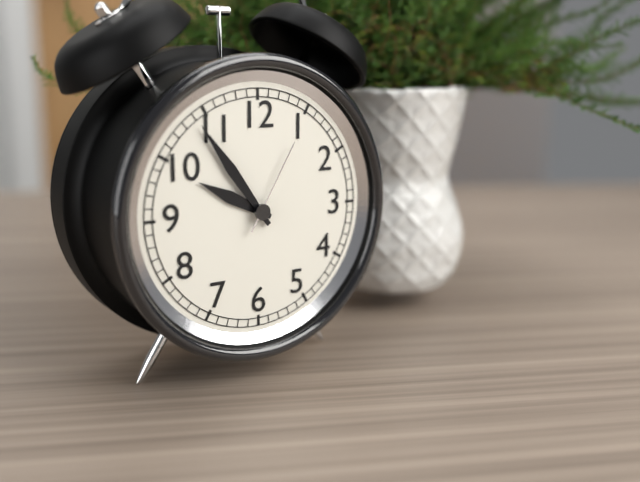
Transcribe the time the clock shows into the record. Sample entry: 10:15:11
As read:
9:54:05
